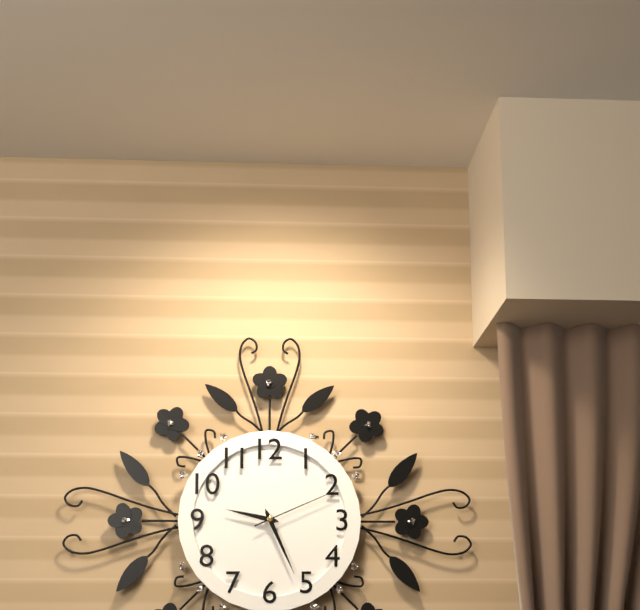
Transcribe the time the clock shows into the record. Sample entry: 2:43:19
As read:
9:26:11
